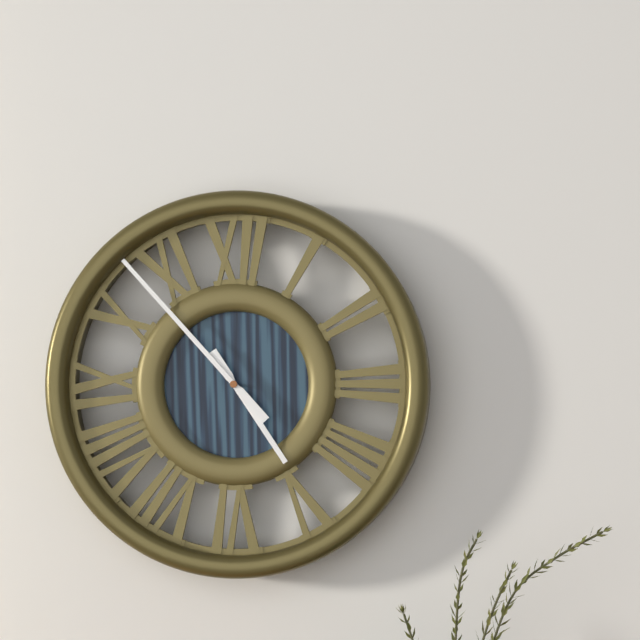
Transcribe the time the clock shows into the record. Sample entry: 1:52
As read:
4:53
